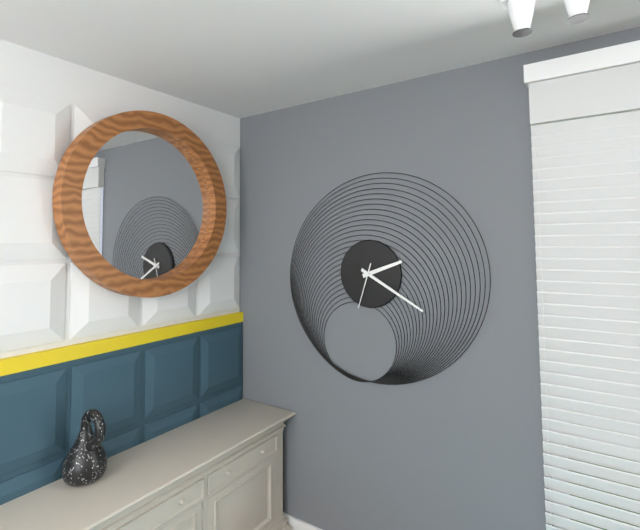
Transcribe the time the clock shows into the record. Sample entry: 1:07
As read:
2:20
